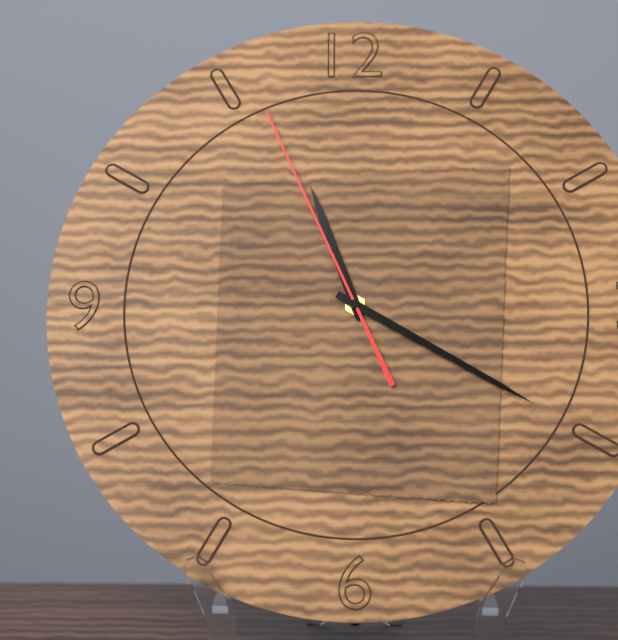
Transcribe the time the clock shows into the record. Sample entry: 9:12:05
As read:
11:20:56
